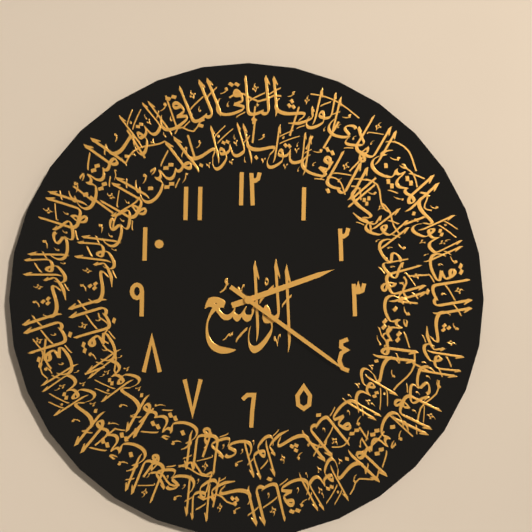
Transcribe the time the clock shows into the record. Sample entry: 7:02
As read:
2:21
